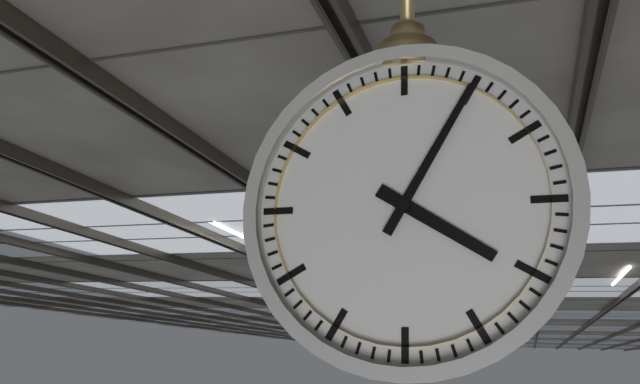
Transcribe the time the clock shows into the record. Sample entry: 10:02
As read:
4:05
